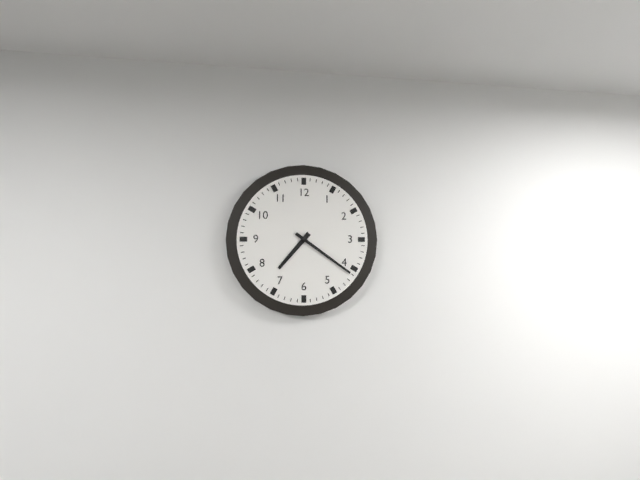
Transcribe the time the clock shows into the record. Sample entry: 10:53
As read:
7:21
